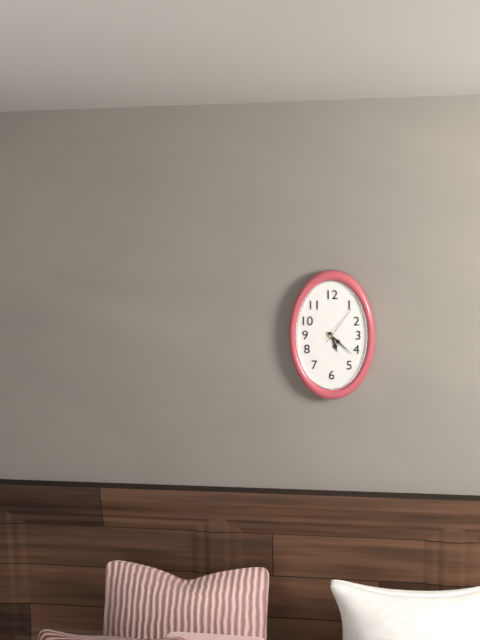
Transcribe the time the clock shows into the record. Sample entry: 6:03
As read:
5:22
